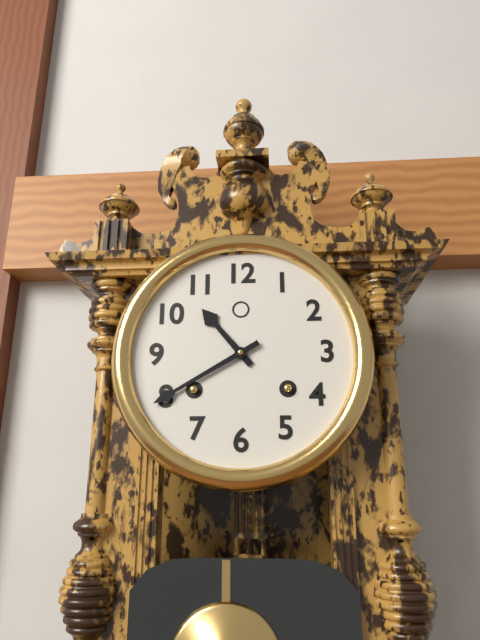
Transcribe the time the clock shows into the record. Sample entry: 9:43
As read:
10:40
